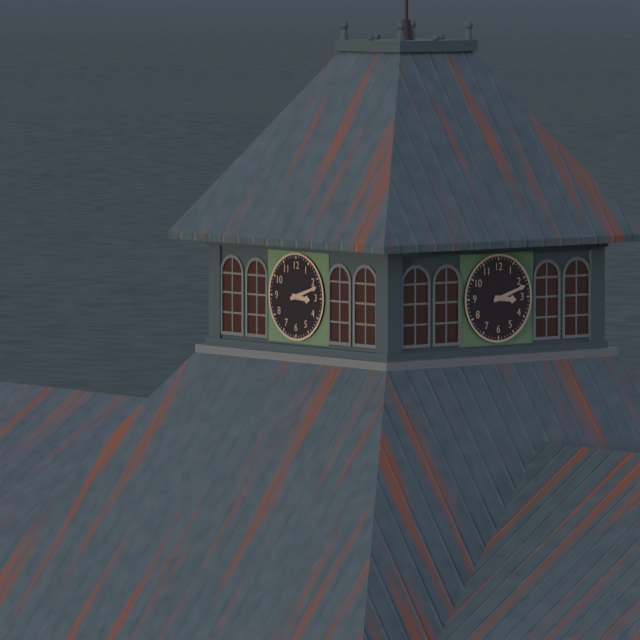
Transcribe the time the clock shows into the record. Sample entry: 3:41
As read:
3:12
